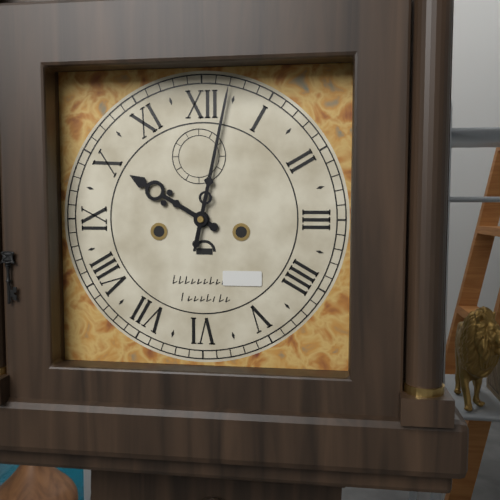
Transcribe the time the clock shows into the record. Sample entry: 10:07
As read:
10:02
